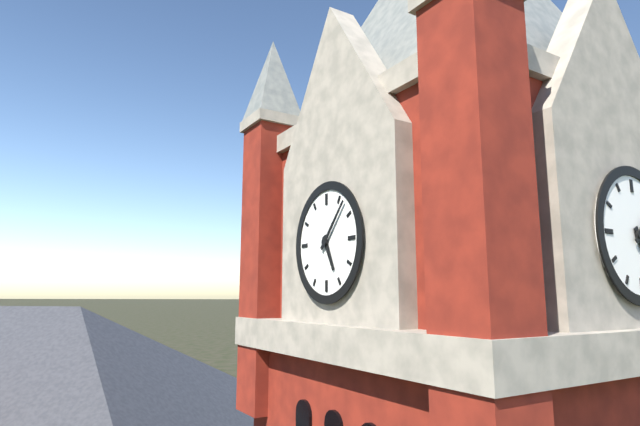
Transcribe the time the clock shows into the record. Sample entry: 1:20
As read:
5:07
